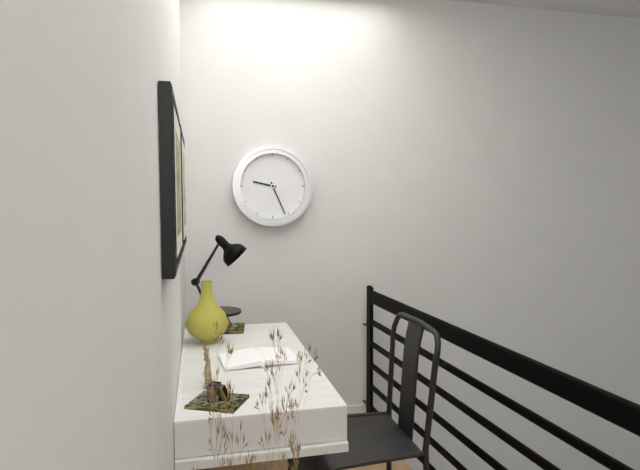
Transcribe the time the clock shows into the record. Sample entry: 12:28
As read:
9:26
